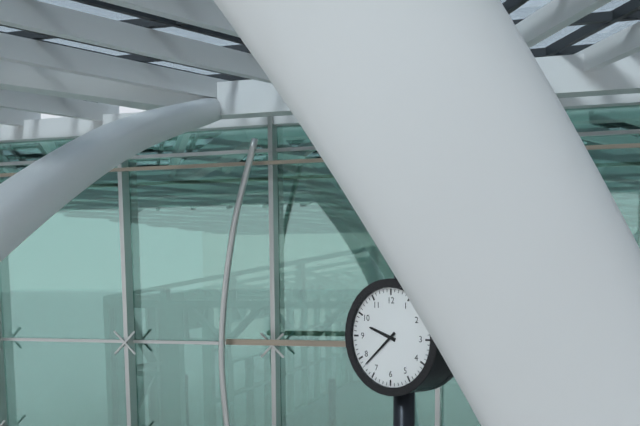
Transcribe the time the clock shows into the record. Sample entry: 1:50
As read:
9:38
